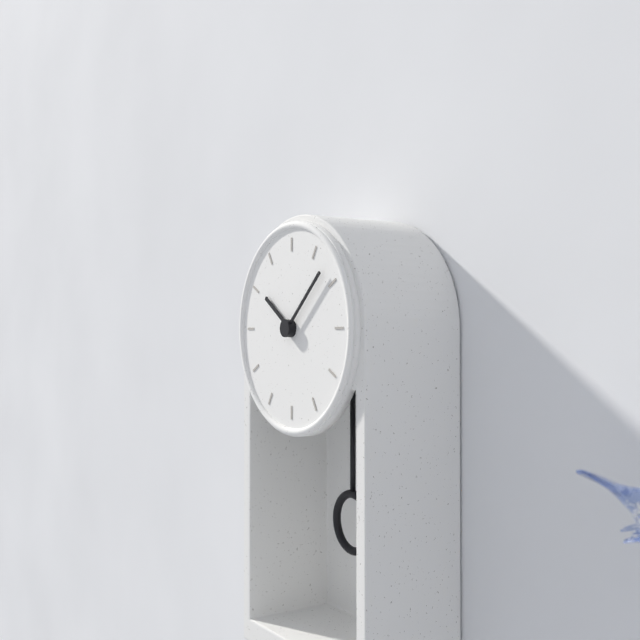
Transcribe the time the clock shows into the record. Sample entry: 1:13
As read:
10:08
